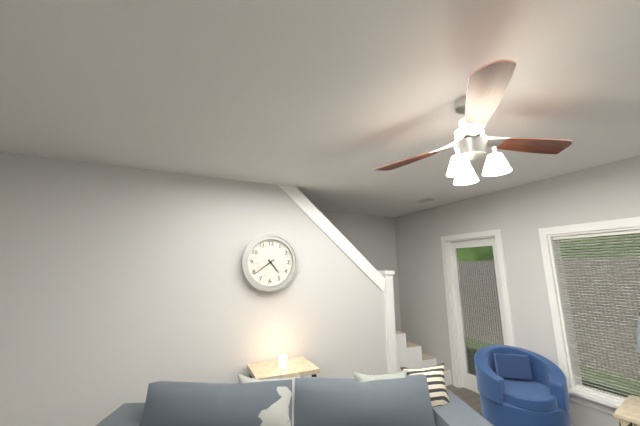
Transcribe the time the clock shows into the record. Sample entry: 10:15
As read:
4:39
